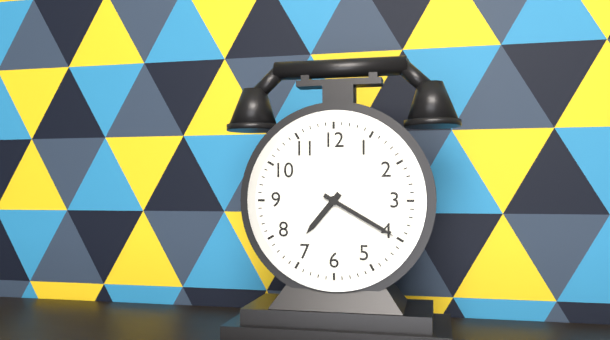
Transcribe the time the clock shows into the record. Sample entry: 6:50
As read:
7:20
